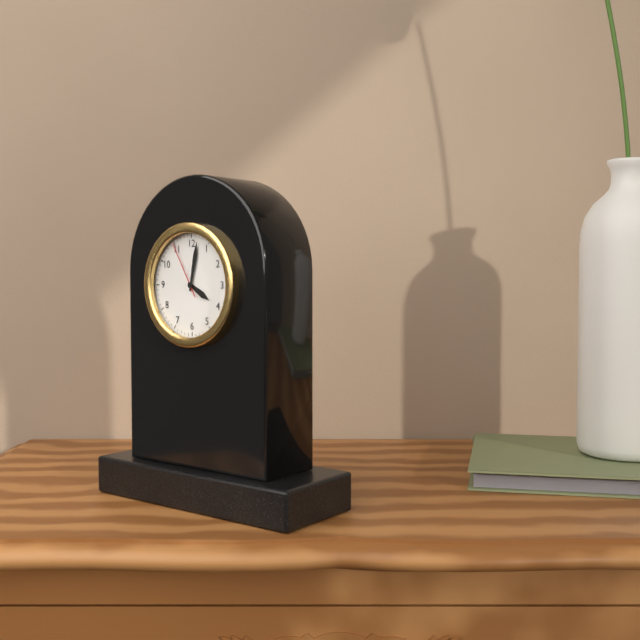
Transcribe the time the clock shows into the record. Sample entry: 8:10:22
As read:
4:02:55
